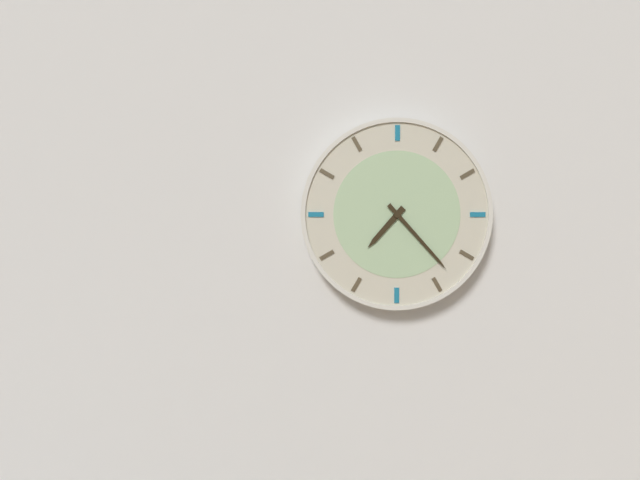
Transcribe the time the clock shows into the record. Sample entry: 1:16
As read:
7:23
